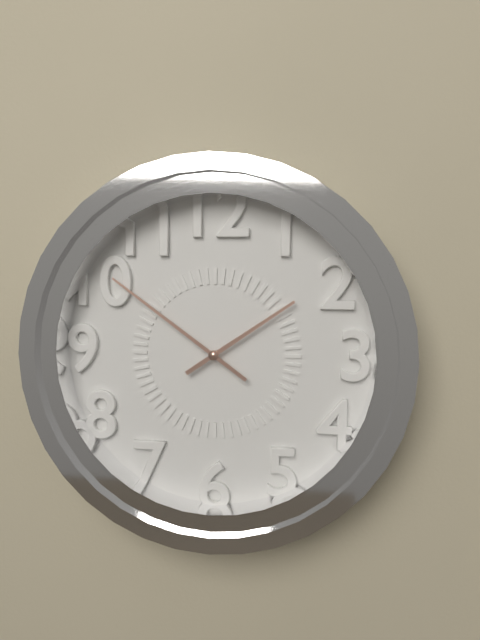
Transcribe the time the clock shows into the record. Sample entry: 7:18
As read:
1:51
